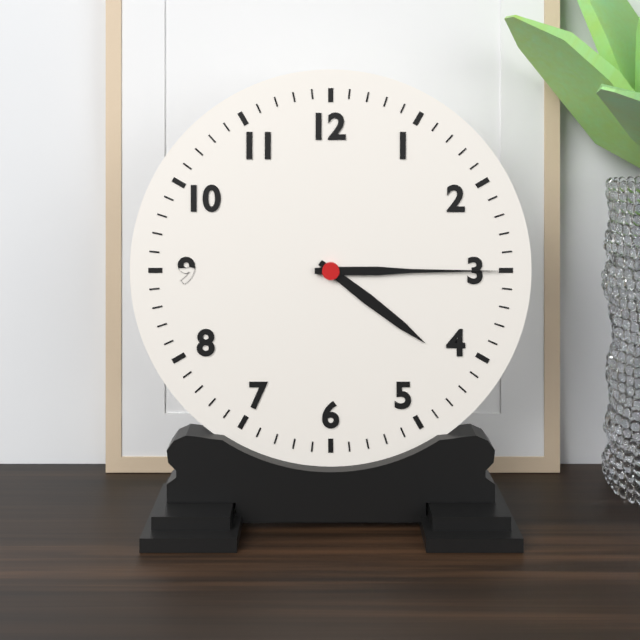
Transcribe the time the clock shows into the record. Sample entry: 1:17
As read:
4:15
